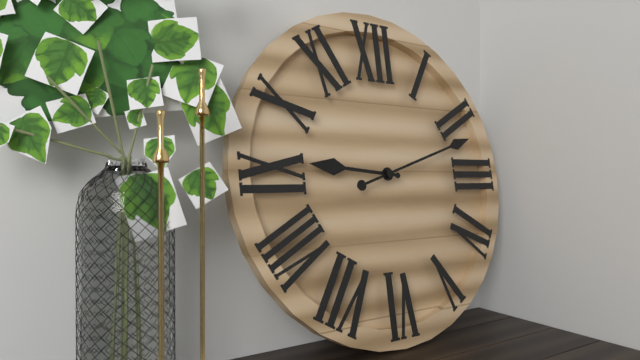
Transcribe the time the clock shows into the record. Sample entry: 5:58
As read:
9:12
